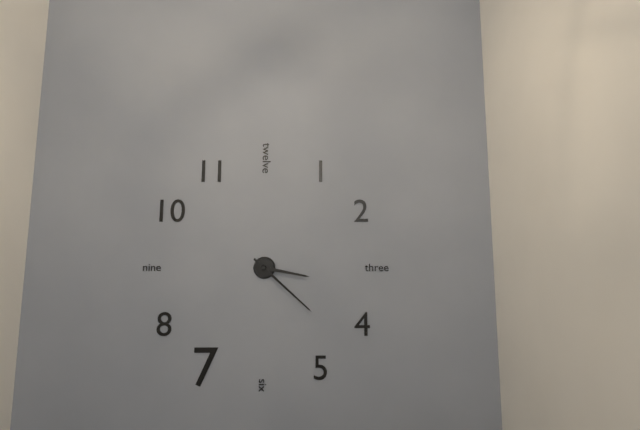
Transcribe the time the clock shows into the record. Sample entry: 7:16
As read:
3:22
